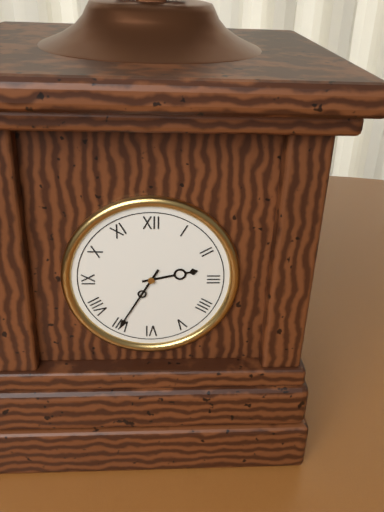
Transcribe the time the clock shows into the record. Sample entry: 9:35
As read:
2:35
